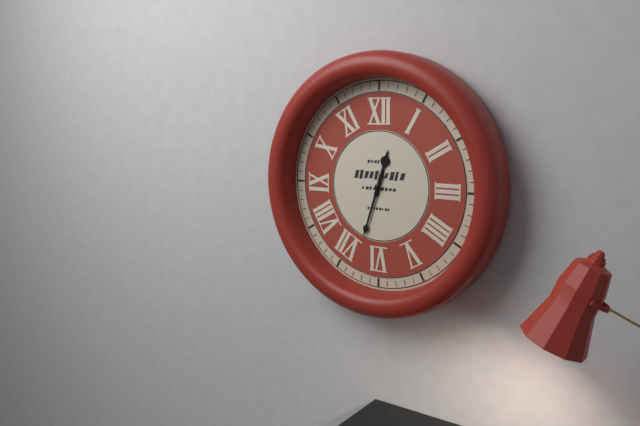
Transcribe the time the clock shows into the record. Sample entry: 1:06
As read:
12:33
